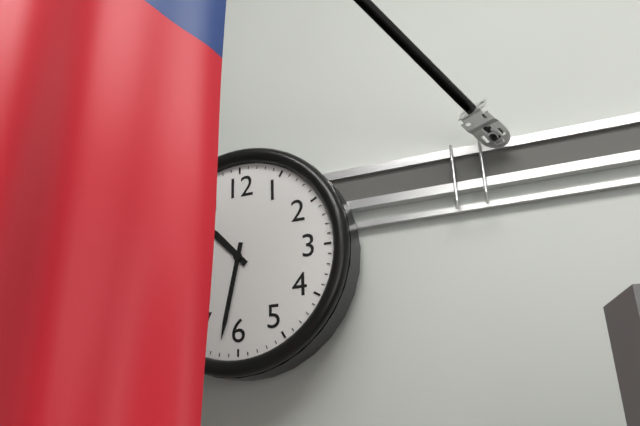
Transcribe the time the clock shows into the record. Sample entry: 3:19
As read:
10:32
